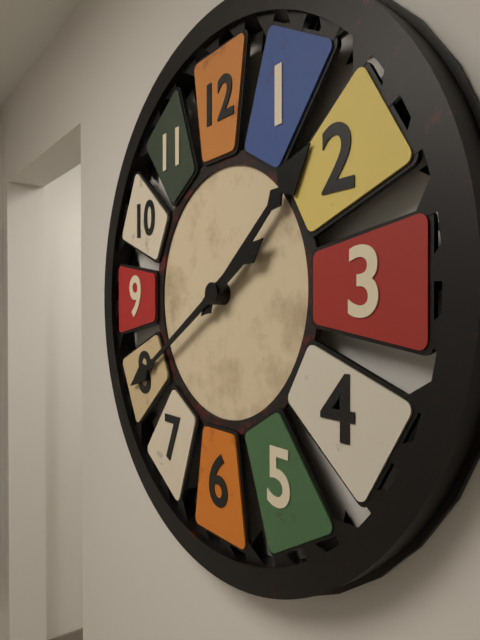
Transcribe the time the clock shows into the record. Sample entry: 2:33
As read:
1:40
